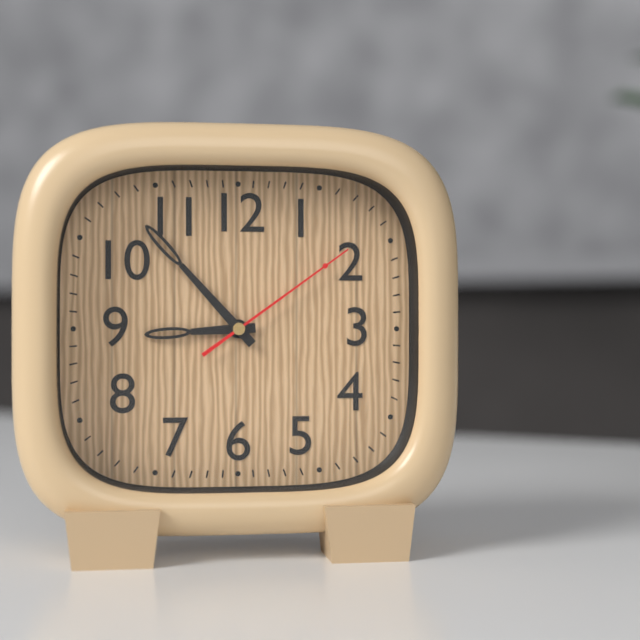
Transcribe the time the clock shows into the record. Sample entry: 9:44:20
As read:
8:53:09
